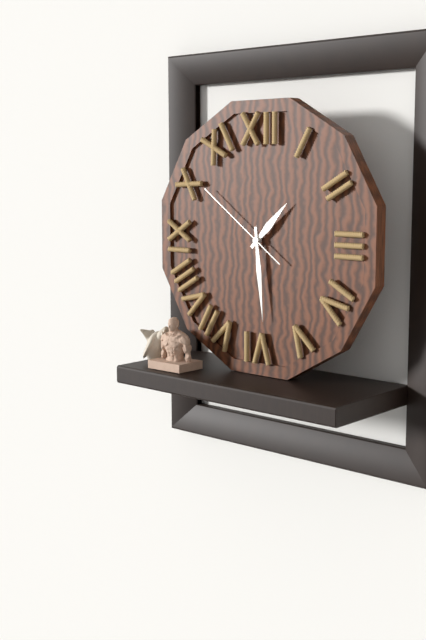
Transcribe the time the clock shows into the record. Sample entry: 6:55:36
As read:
1:29:51
